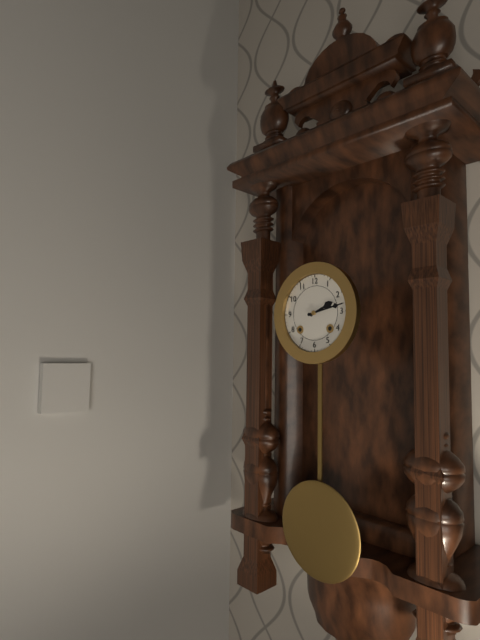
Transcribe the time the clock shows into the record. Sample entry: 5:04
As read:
2:13
